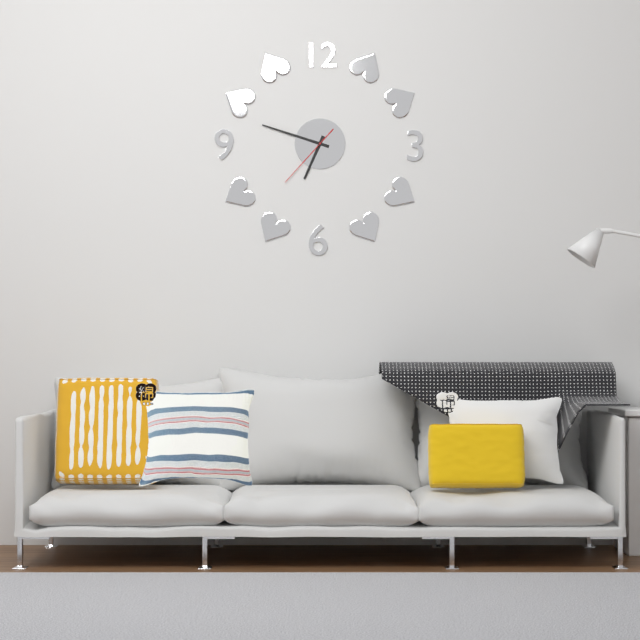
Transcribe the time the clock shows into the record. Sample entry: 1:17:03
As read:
6:48:37
